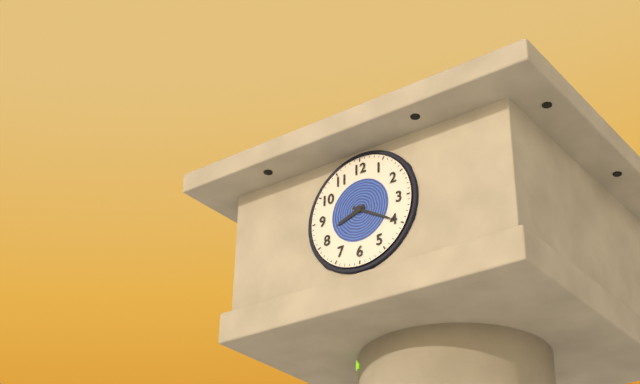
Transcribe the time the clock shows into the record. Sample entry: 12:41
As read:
8:20
